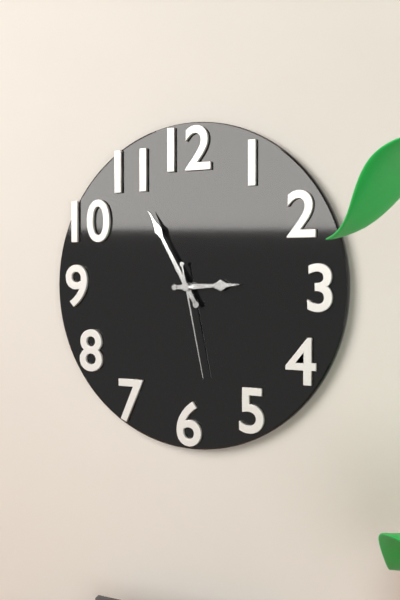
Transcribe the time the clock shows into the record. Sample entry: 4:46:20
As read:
2:55:28
